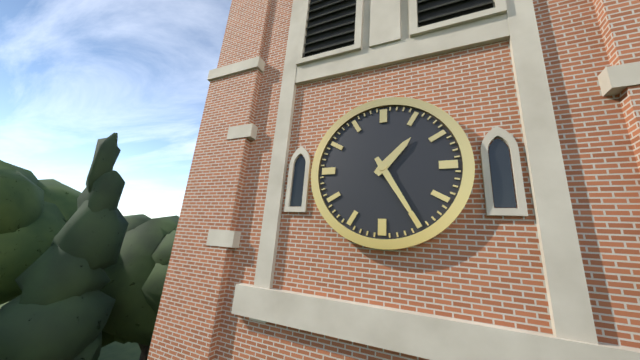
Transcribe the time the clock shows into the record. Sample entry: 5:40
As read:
1:25
